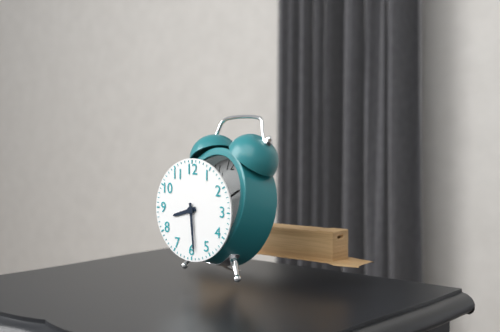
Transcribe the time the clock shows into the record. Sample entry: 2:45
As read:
8:29
